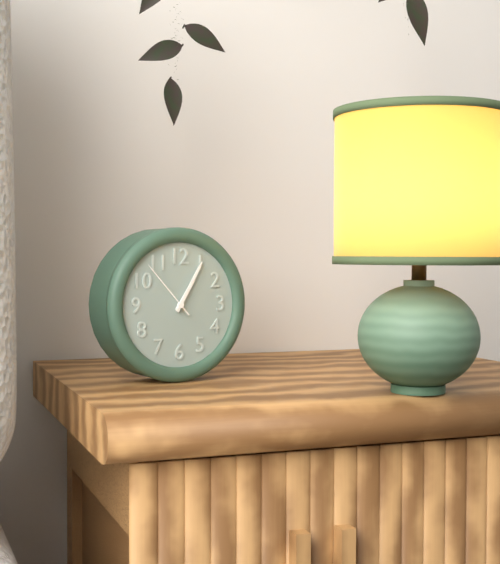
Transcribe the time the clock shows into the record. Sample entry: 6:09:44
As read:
1:05:53
